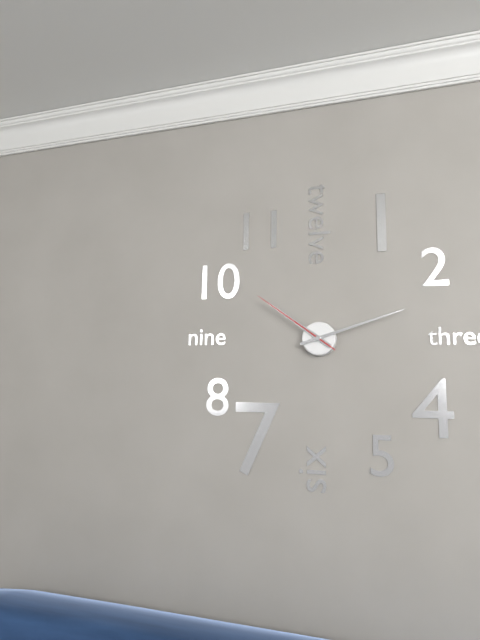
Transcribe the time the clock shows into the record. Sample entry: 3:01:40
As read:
10:12:51
